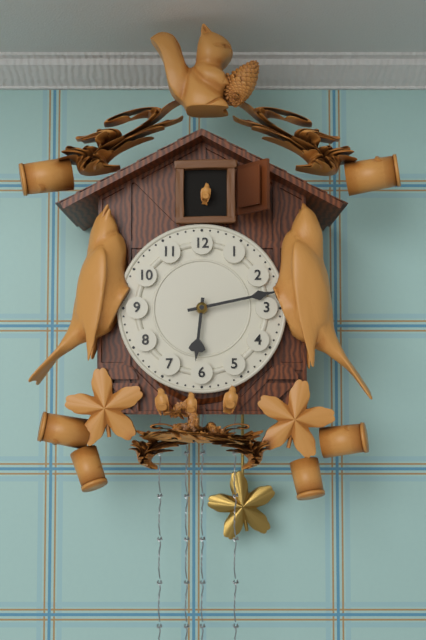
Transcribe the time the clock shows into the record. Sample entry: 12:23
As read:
6:13
